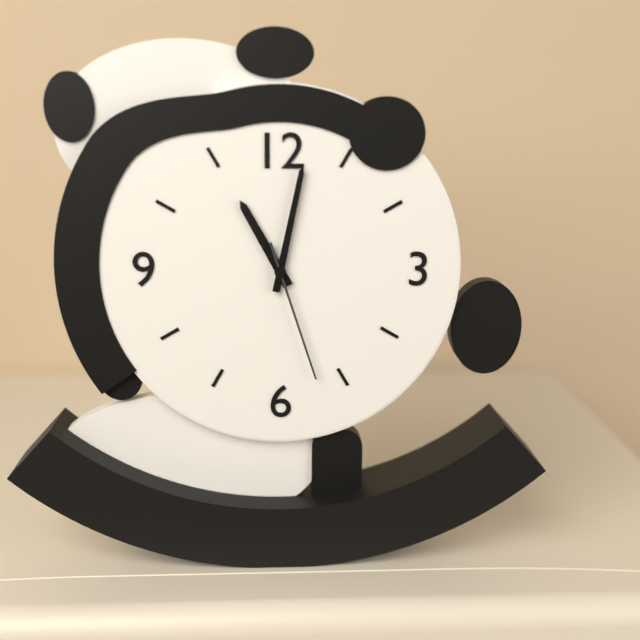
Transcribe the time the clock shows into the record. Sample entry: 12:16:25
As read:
11:02:27
